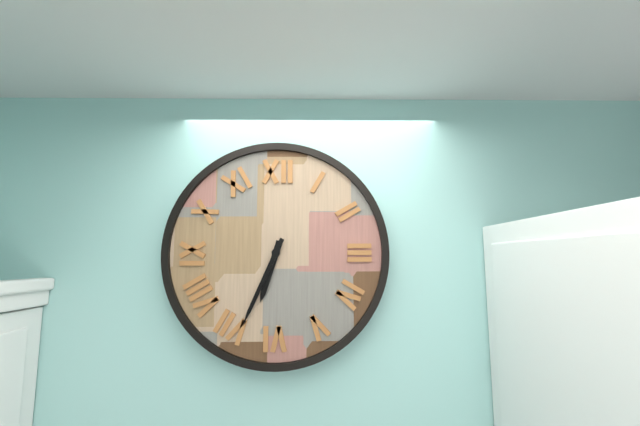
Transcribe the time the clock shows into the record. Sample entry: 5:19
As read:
6:34
